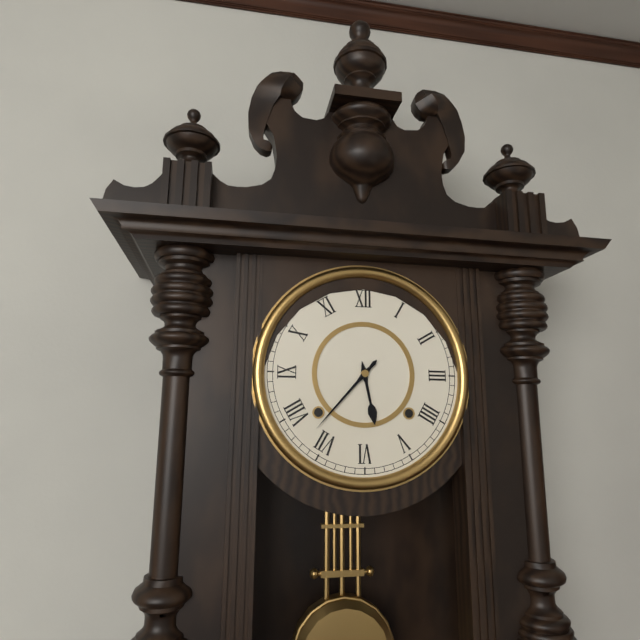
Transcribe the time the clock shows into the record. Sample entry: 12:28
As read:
5:37
